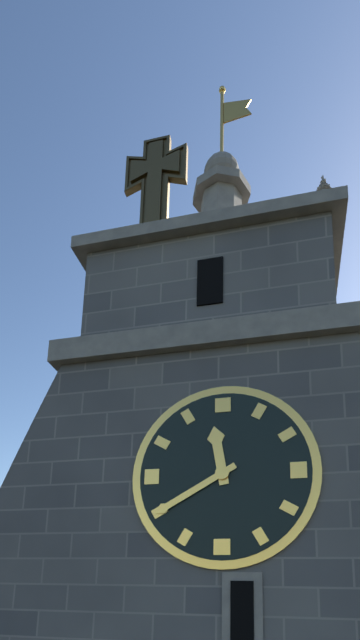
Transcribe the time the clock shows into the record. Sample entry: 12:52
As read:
11:40
